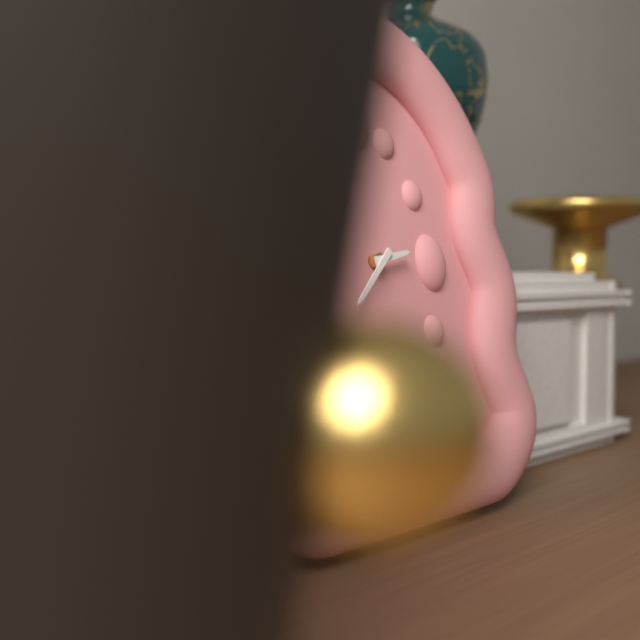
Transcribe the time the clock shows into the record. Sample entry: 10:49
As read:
2:38
